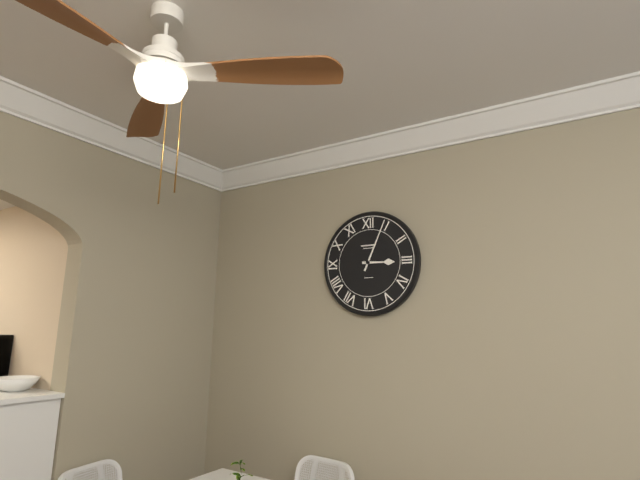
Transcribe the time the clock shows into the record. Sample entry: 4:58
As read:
3:04
